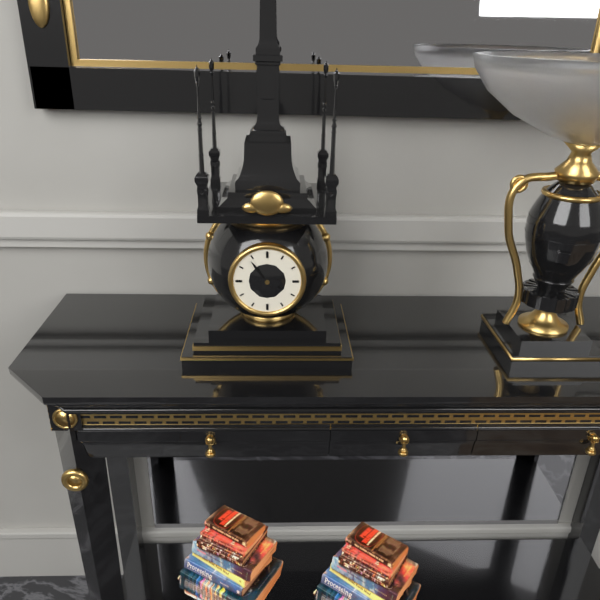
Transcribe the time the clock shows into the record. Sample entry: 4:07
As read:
3:54
